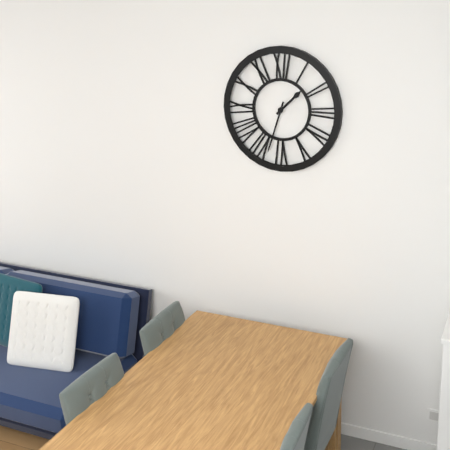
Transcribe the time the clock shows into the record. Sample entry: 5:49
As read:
1:33
